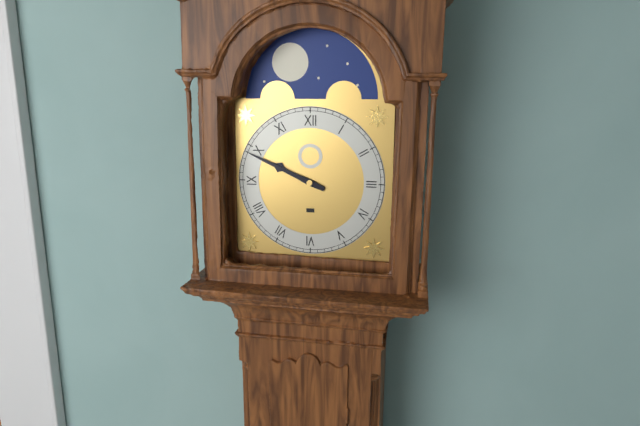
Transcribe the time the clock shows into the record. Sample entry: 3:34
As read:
9:49
